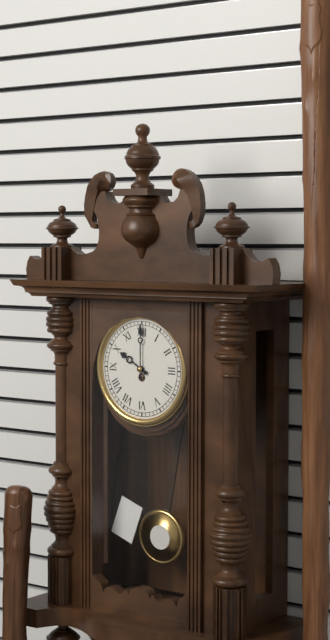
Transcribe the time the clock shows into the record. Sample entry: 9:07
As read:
10:00
